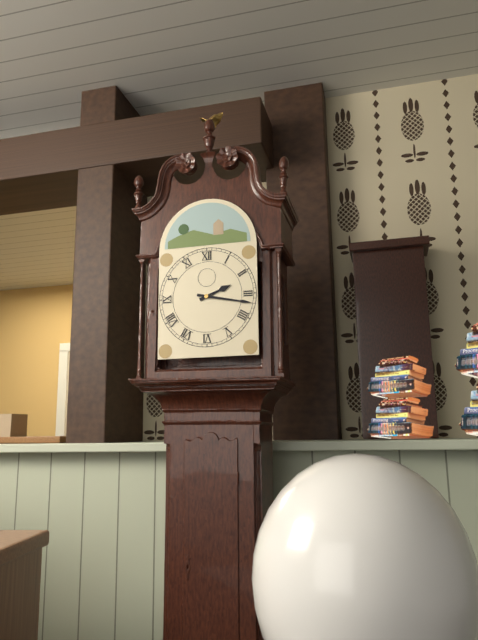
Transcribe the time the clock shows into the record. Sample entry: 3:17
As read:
2:17
